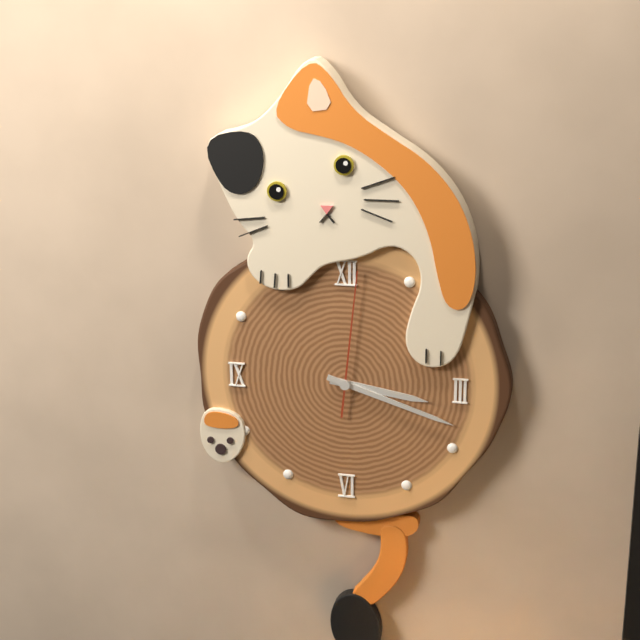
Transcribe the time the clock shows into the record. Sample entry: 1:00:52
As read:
3:18:01
